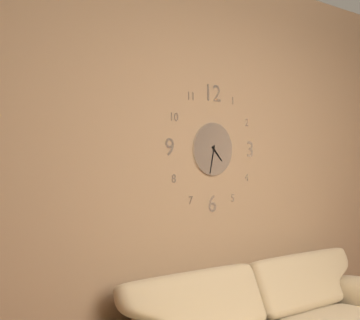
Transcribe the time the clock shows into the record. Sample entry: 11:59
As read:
4:32
